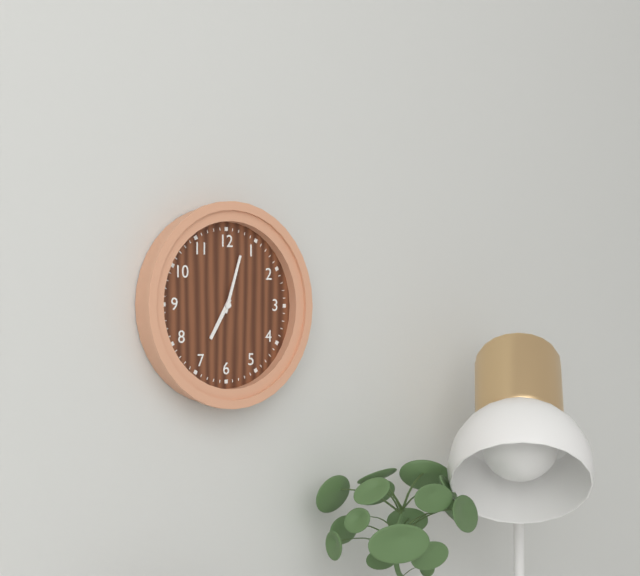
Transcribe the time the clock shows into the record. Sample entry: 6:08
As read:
7:03
